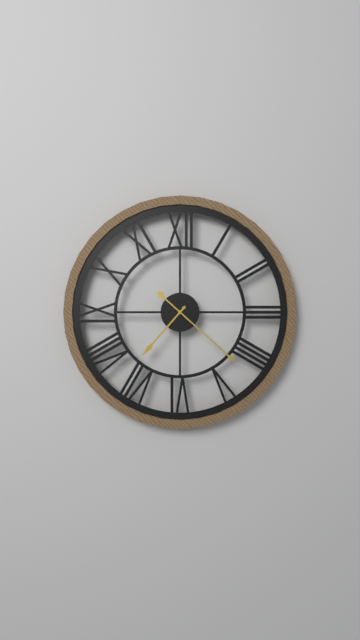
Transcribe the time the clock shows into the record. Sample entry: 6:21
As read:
7:22
